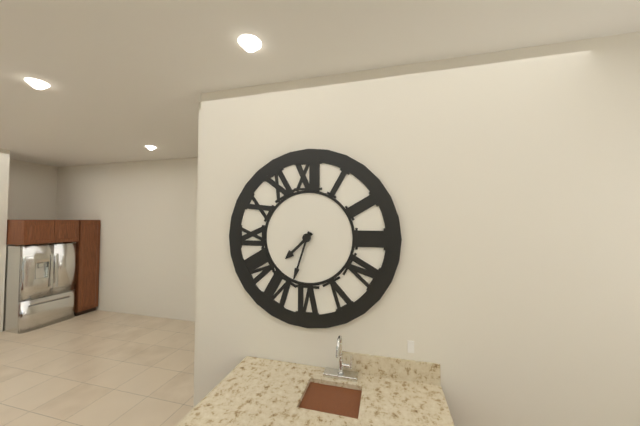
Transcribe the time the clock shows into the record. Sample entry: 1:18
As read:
7:33
